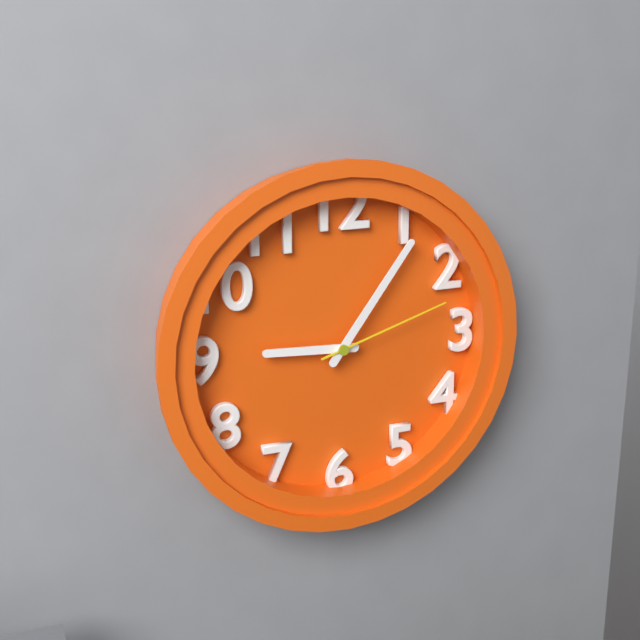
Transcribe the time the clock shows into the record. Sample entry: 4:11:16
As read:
9:06:12
